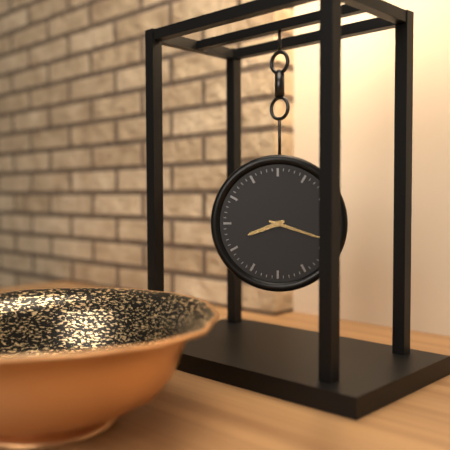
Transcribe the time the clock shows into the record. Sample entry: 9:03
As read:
8:18
